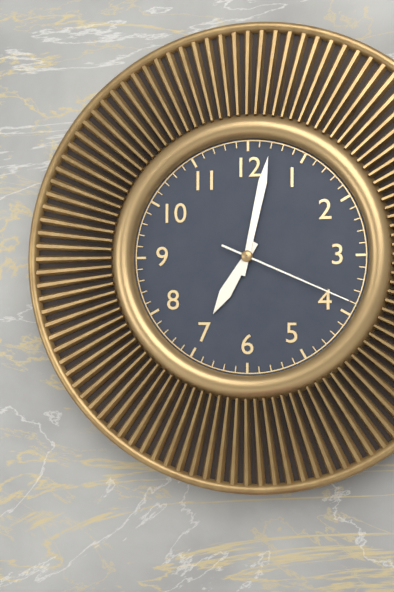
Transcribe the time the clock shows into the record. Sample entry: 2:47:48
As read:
7:02:19
